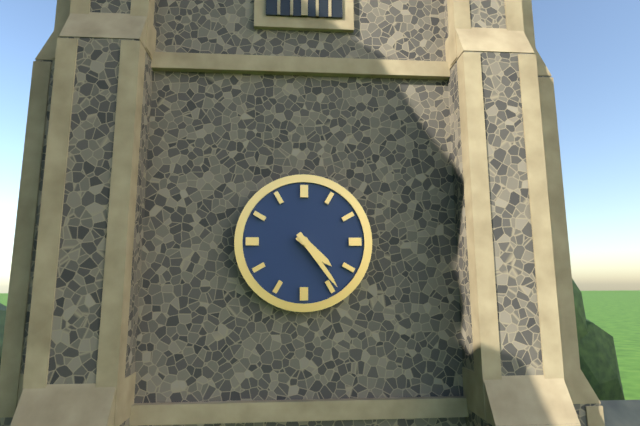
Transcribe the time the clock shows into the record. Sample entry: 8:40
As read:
4:24
